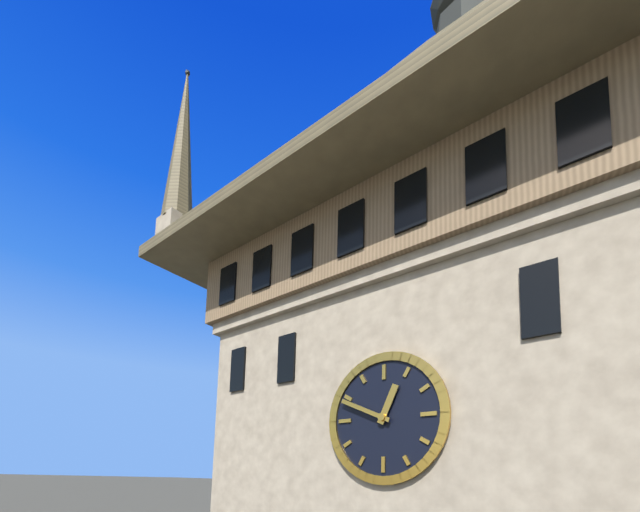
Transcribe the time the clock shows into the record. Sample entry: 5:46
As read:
12:49
